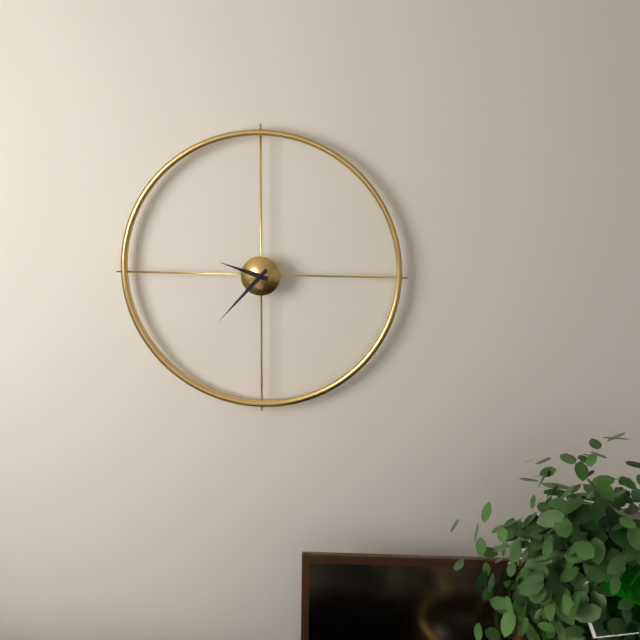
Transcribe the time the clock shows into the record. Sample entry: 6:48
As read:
9:37
